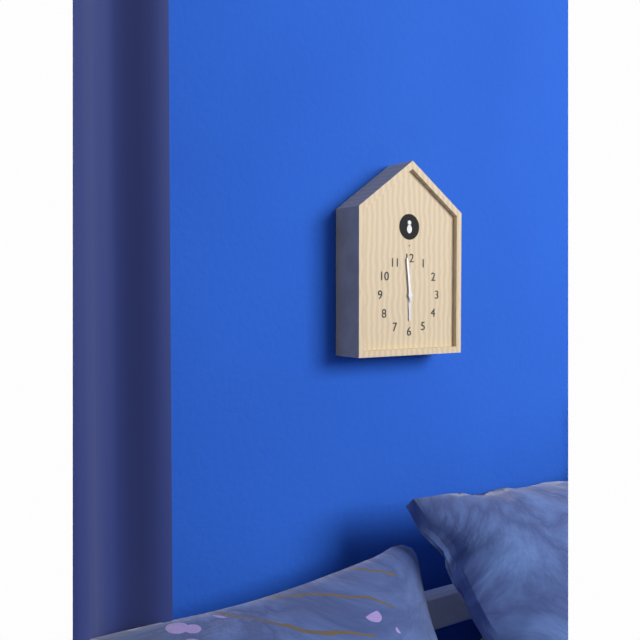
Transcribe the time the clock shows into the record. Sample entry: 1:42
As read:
5:59
